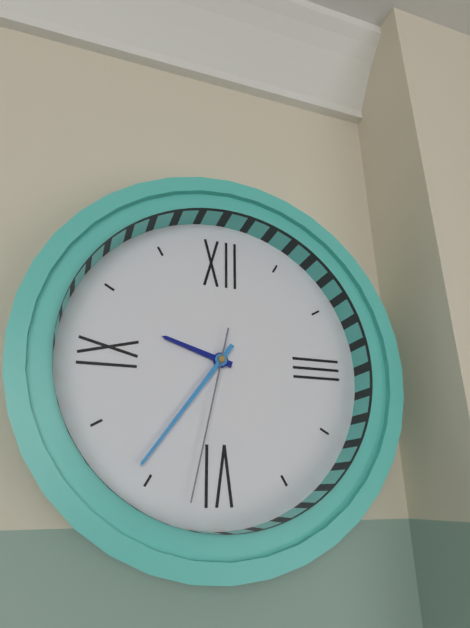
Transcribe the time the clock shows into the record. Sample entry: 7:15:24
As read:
9:36:32
